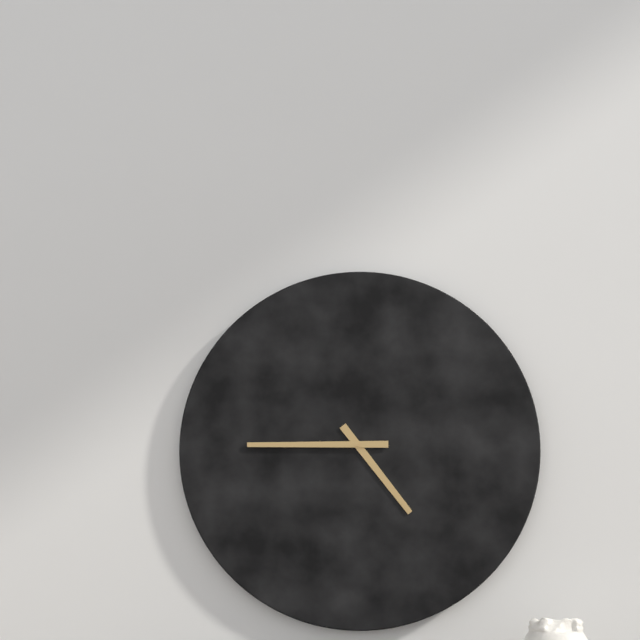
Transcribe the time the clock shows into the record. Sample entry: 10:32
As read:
4:45
